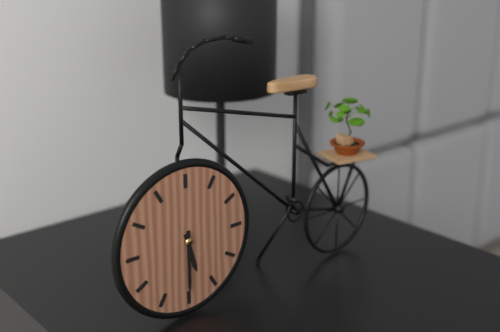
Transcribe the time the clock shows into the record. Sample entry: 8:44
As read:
5:30
